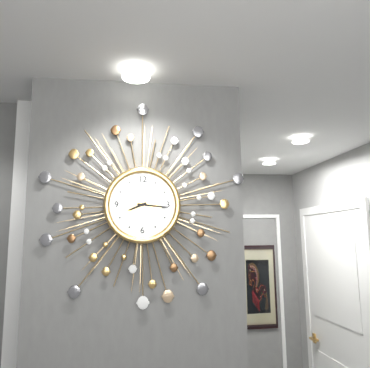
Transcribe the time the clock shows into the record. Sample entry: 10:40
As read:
8:16
